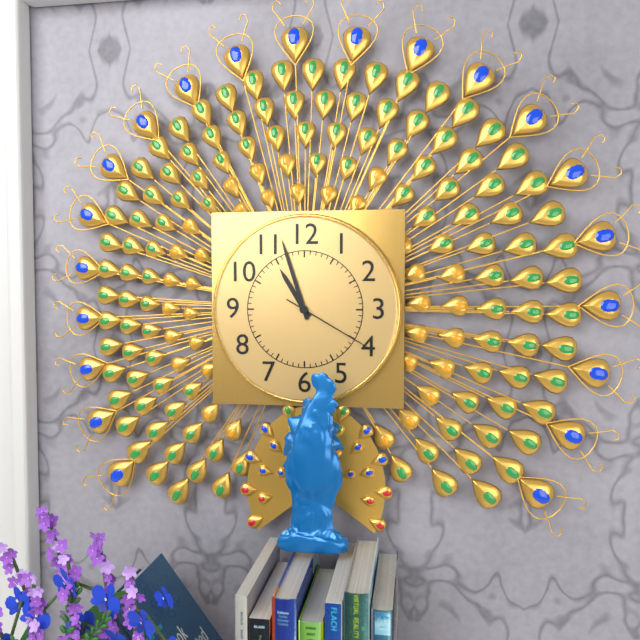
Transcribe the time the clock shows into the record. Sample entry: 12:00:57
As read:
10:57:20
